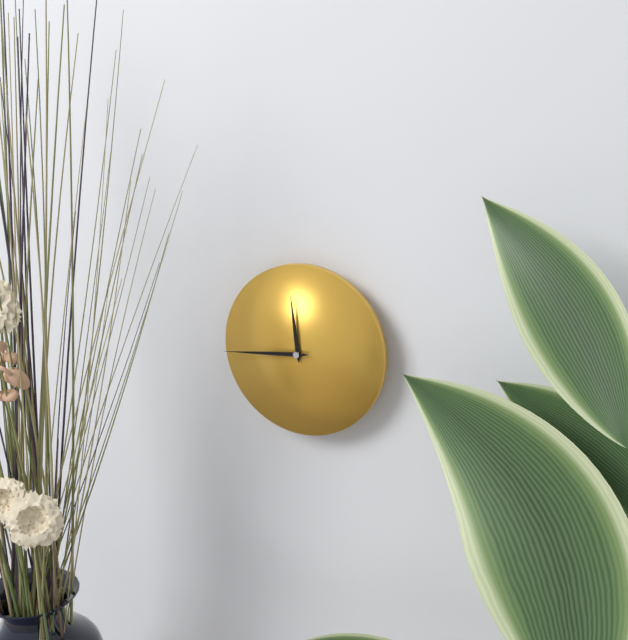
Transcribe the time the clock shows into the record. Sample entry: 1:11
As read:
11:44
